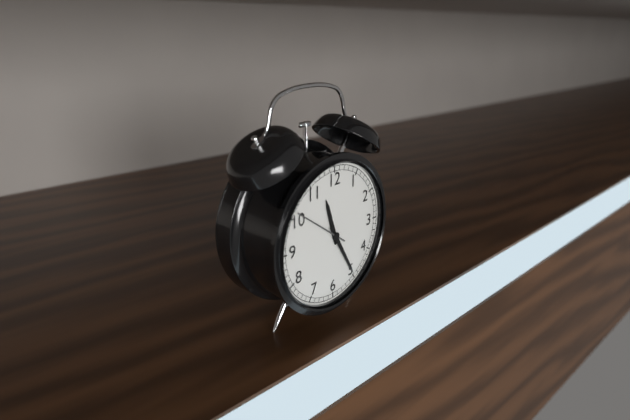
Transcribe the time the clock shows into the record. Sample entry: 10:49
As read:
11:25
